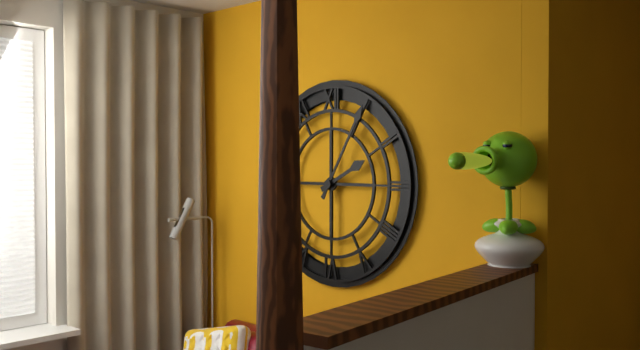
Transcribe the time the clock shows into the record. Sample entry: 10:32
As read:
2:05
